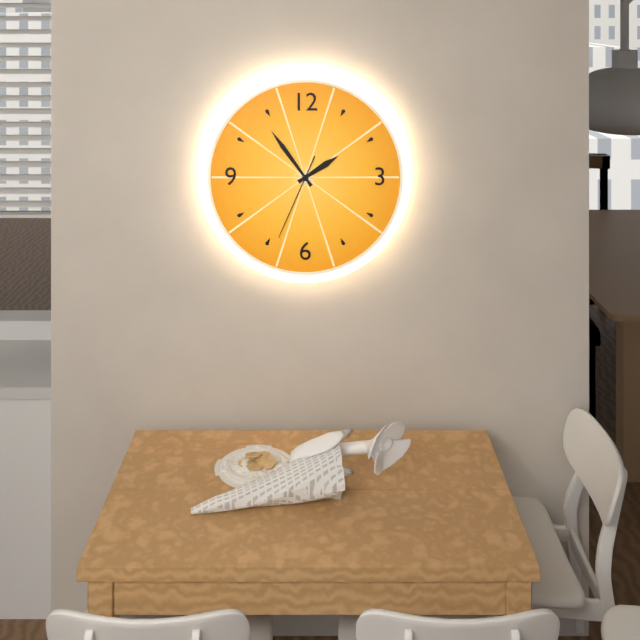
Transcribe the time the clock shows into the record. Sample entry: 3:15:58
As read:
1:54:34
